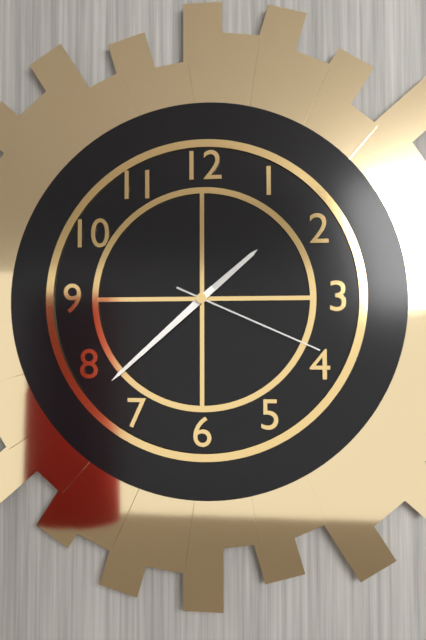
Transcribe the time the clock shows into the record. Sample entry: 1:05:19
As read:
1:38:19
